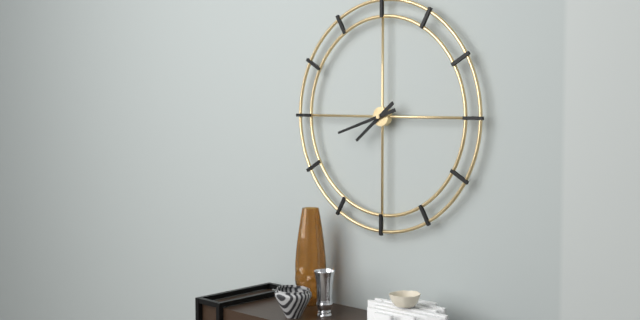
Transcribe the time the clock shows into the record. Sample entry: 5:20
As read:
7:42
